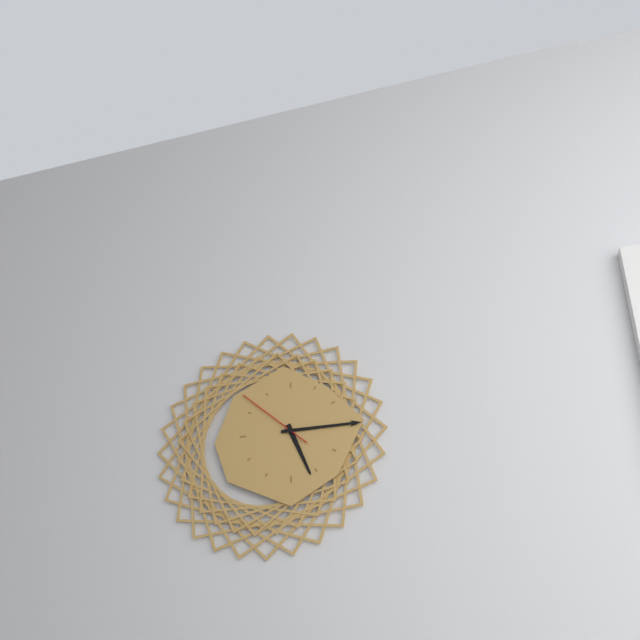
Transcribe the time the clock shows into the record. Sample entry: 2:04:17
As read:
5:15:52
